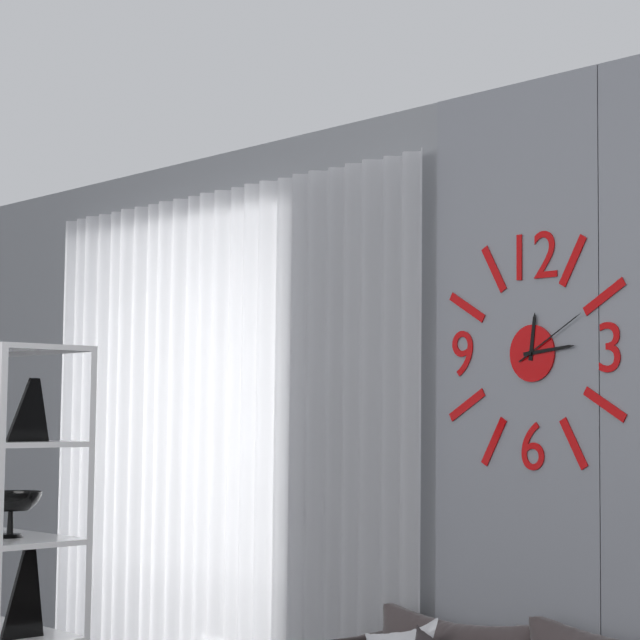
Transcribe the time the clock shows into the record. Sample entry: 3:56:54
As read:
12:14:10
